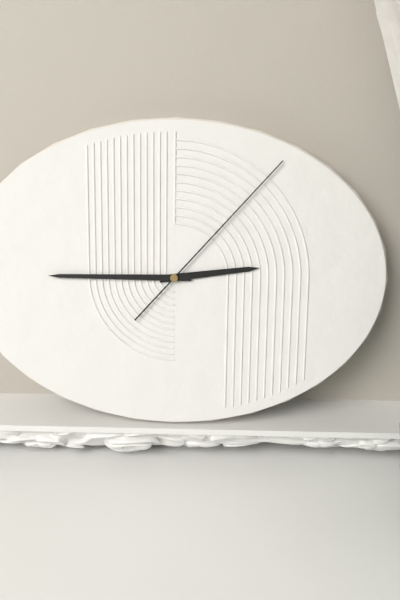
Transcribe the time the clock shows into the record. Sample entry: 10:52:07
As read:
2:45:07
